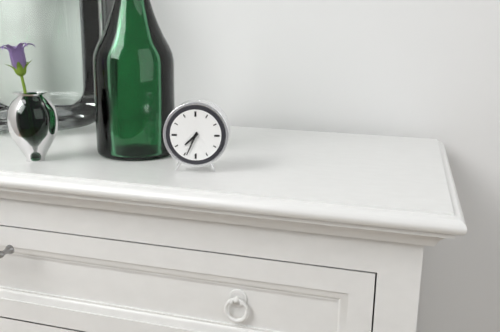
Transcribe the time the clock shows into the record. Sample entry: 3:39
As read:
7:34
